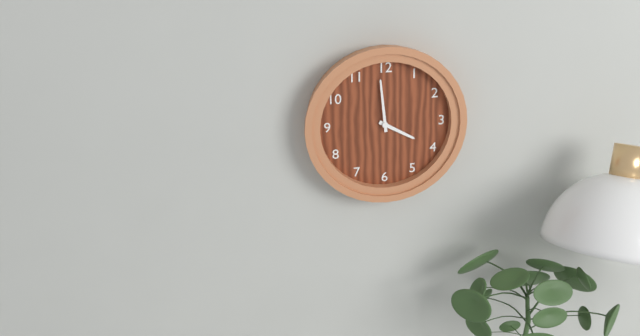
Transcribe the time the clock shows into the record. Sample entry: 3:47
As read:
3:59
